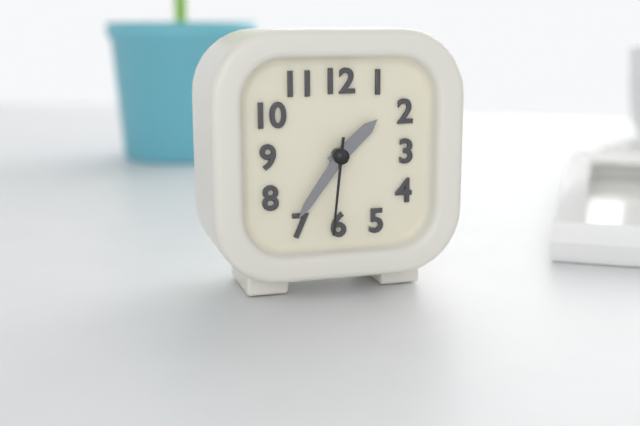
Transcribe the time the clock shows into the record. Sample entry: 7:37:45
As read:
1:36:31
